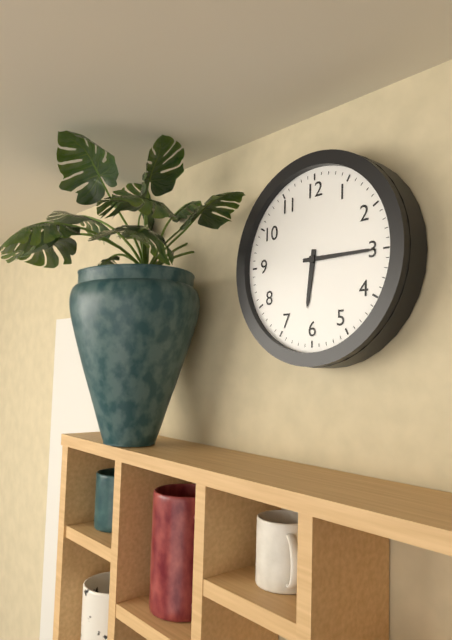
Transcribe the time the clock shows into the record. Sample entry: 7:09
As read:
6:15
